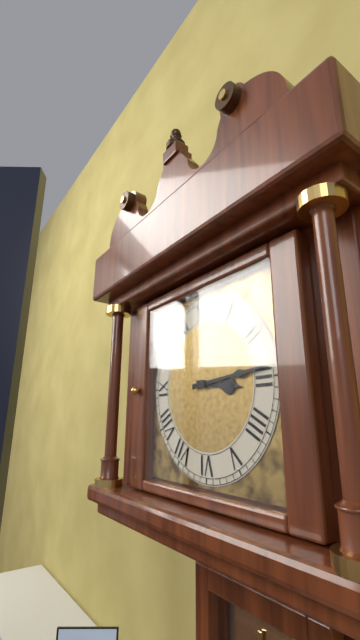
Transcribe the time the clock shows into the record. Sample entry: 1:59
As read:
3:14
